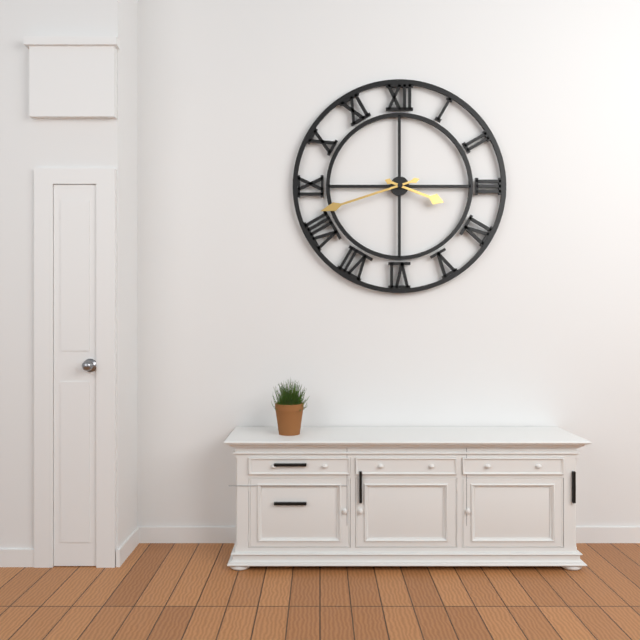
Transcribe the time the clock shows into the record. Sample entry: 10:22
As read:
3:42
